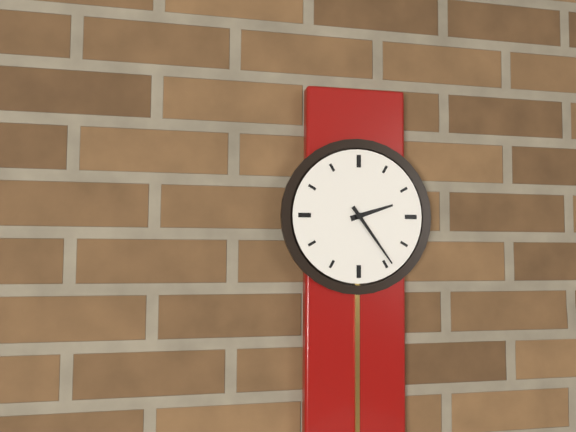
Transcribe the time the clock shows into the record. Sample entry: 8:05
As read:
2:24
